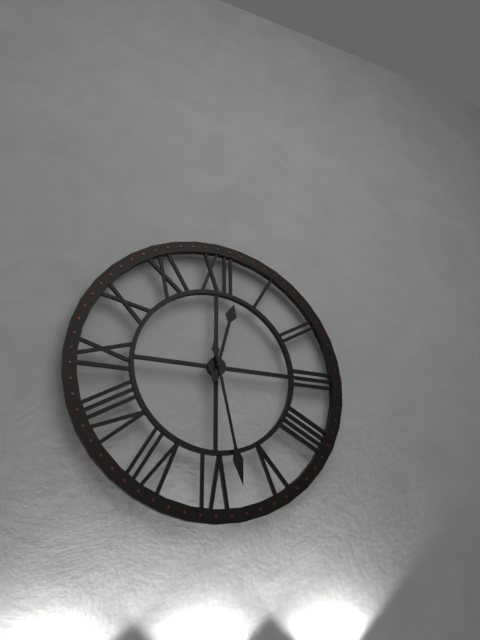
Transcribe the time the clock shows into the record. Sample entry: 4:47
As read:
12:28
